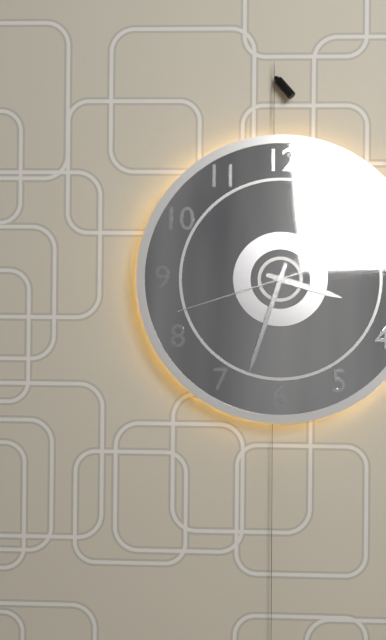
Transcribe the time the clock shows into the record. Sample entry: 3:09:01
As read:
3:33:42
